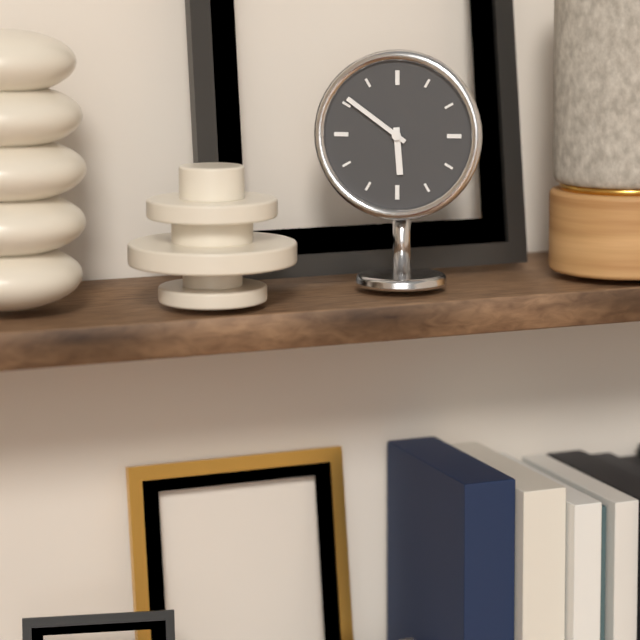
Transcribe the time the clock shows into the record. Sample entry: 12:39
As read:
5:51
